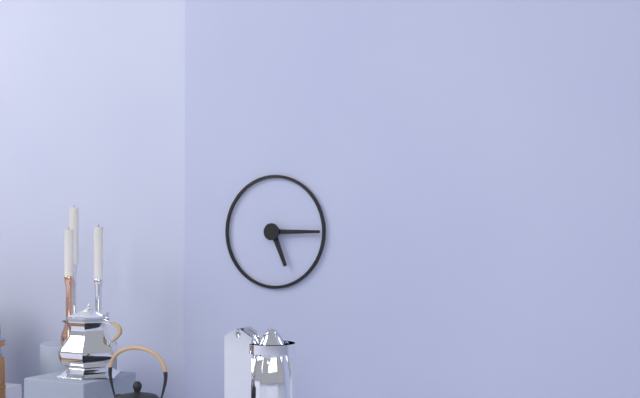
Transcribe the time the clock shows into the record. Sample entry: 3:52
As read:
5:15
